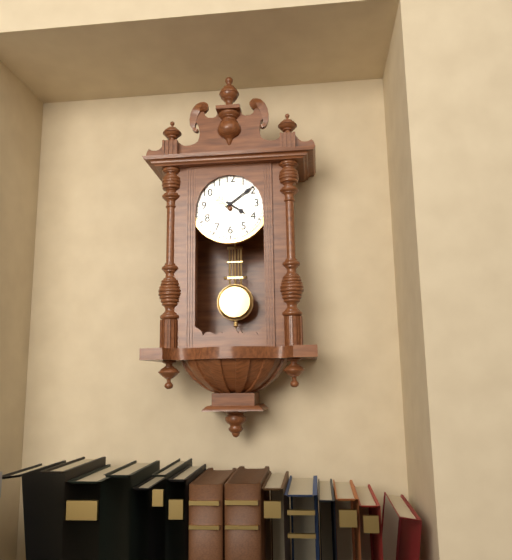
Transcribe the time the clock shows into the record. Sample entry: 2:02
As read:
4:09
